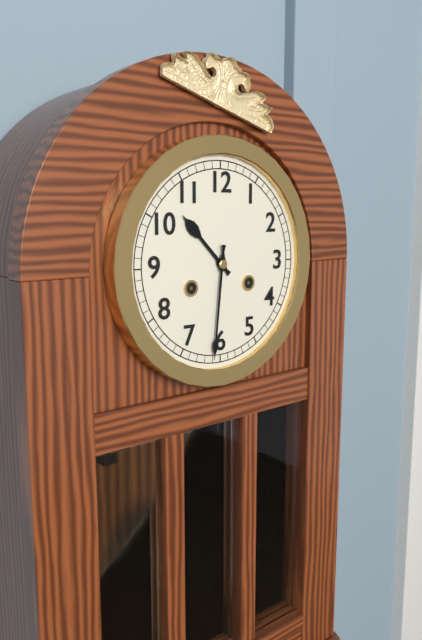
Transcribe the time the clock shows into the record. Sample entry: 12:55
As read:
10:31
